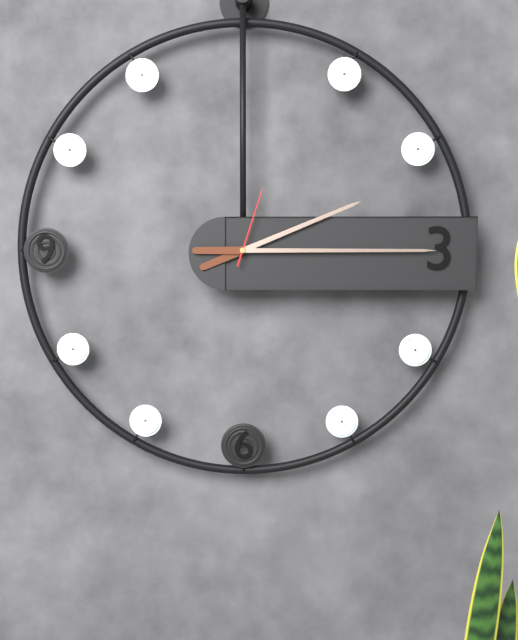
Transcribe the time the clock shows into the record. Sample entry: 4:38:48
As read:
2:15:03
